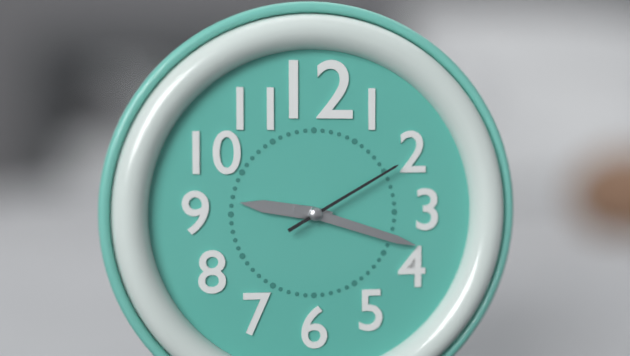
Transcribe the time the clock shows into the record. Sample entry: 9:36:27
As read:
9:18:10
